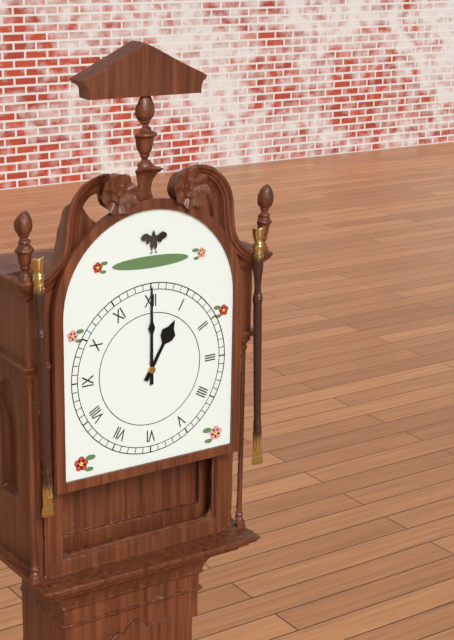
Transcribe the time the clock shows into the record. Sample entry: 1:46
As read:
1:00
